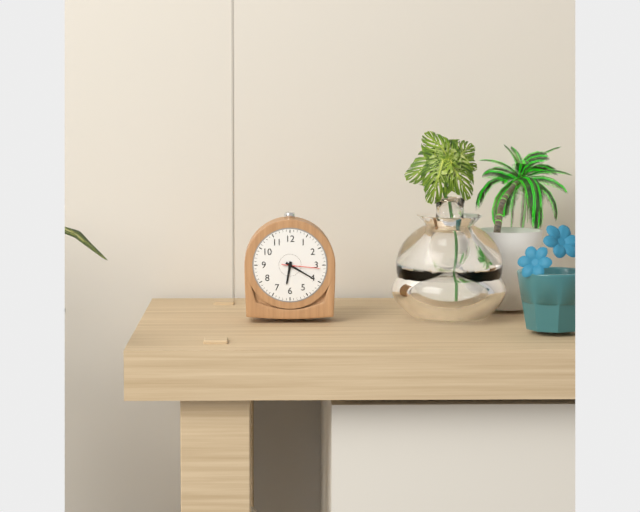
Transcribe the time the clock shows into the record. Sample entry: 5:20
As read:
6:20
